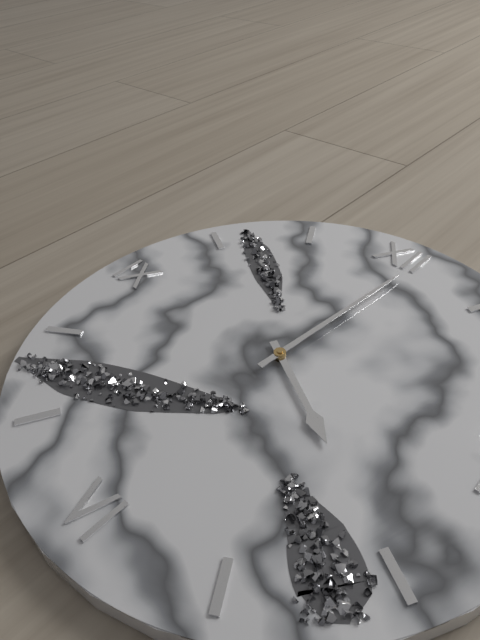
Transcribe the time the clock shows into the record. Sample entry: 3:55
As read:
4:01
